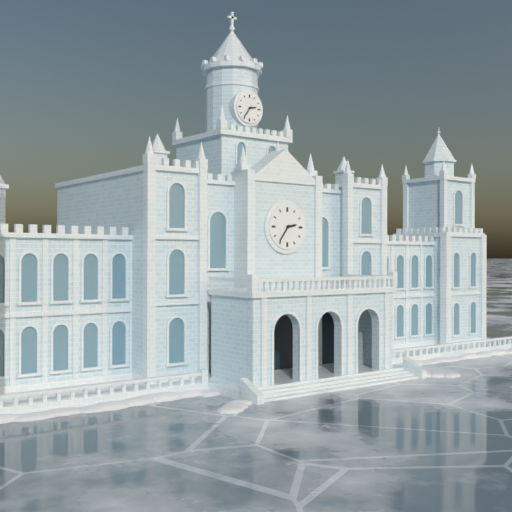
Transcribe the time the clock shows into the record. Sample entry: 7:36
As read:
2:36
